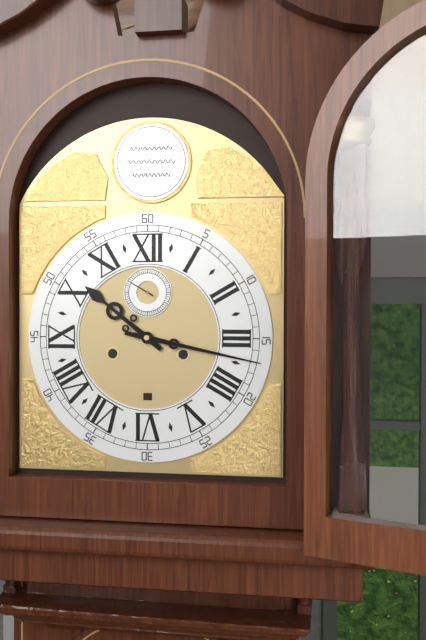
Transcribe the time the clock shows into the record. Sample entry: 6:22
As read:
10:17
